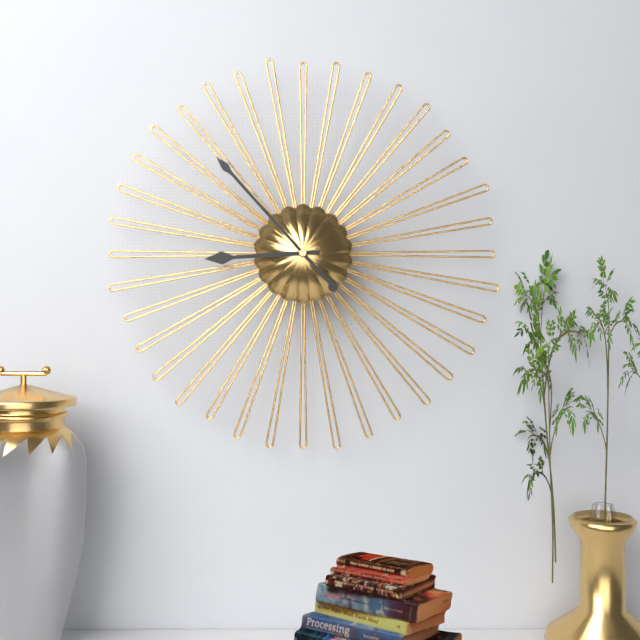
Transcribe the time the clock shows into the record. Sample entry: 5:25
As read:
8:53
